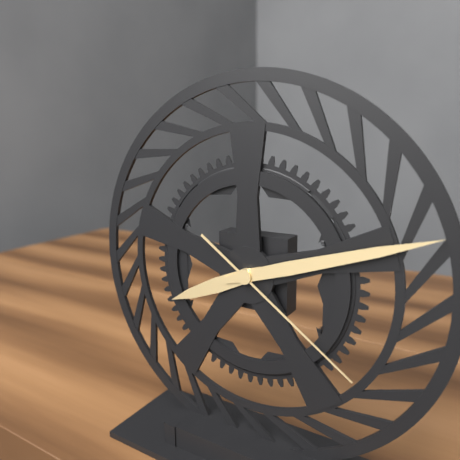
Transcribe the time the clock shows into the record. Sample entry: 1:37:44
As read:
8:12:21
